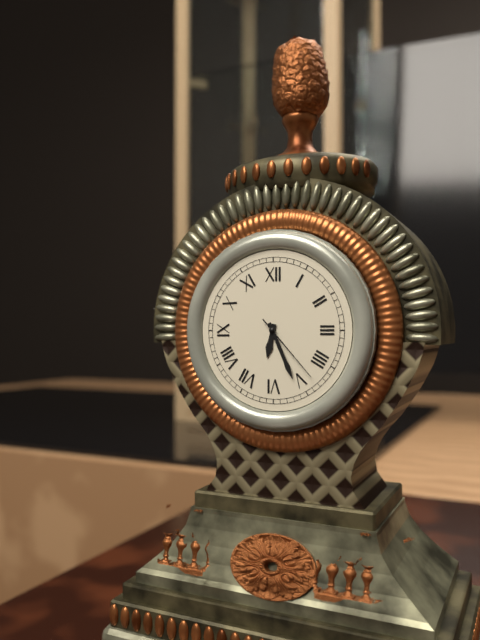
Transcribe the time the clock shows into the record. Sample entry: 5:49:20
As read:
6:26:23
